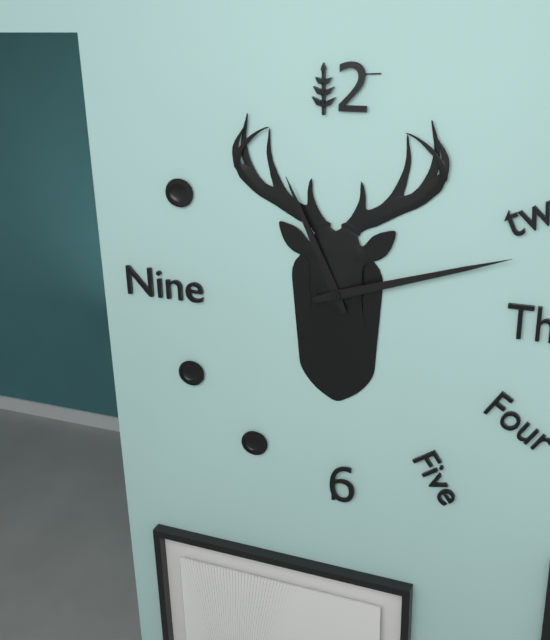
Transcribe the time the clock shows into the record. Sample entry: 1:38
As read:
11:12
